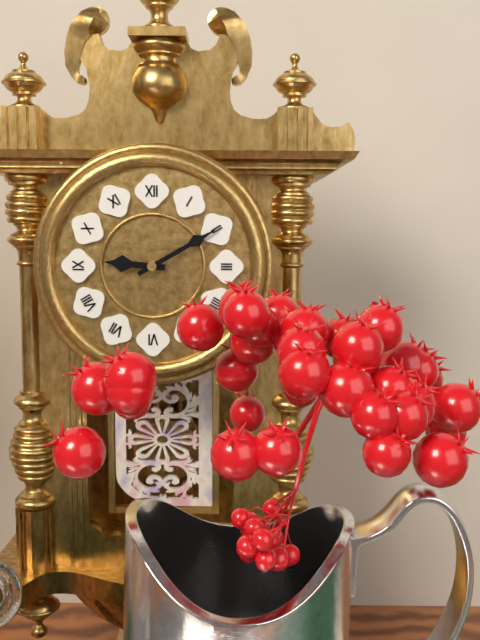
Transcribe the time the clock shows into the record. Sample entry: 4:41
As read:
9:10
